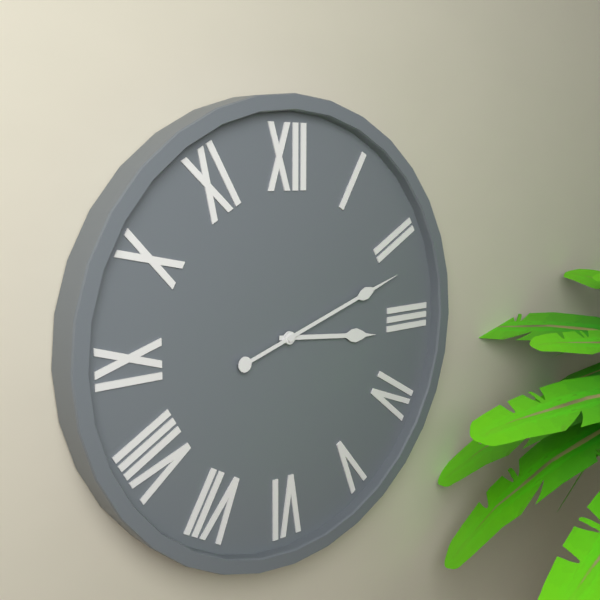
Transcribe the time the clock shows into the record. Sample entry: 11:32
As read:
3:12
